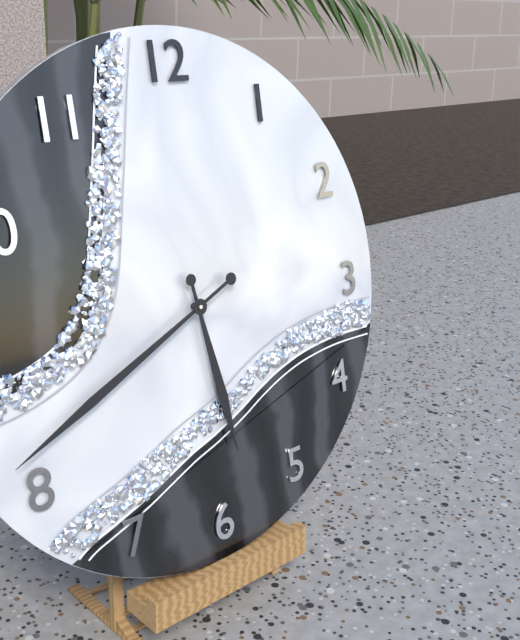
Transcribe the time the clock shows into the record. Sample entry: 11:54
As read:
5:41
